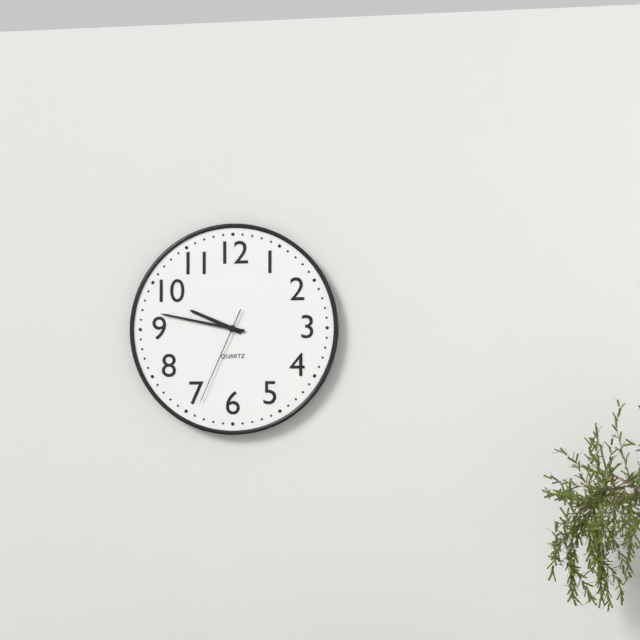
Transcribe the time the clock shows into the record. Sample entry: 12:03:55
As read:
9:47:34
